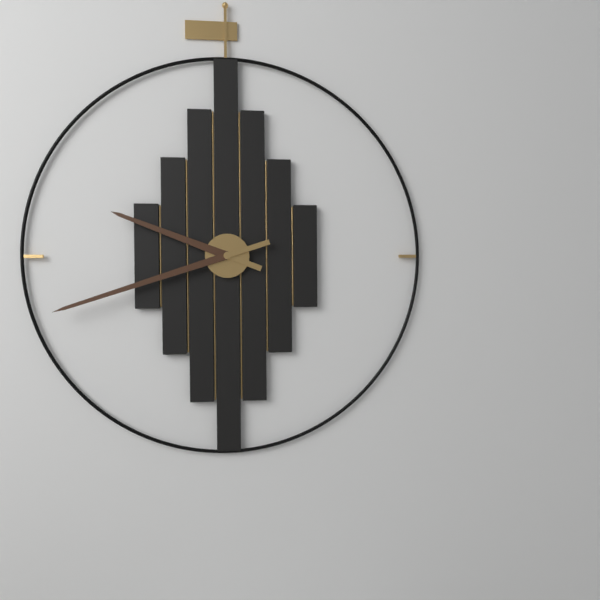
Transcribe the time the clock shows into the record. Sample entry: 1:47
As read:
9:42
